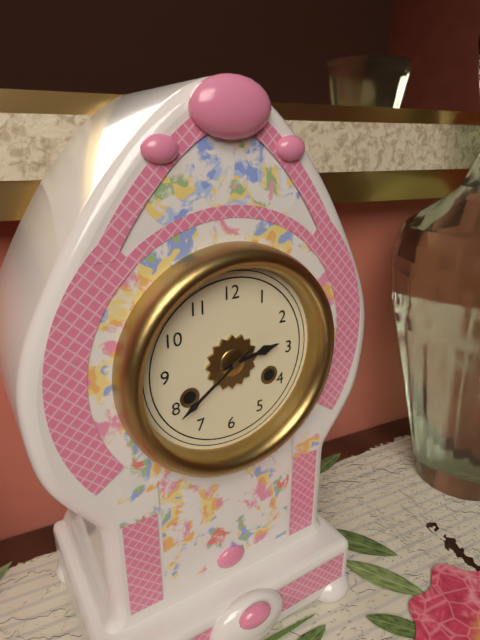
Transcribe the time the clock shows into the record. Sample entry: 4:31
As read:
2:39
